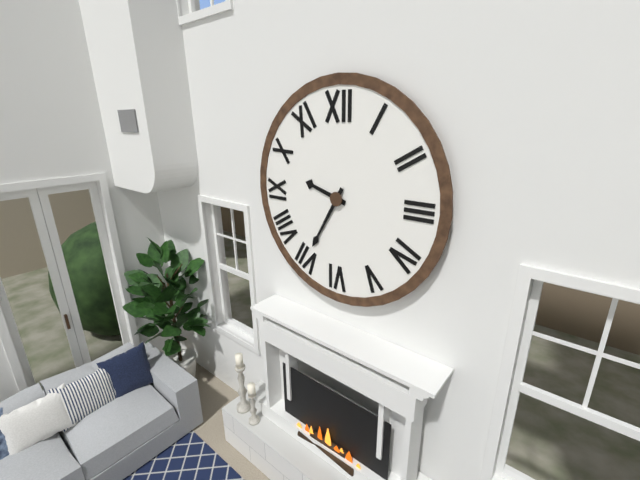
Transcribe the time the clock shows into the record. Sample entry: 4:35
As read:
9:35
